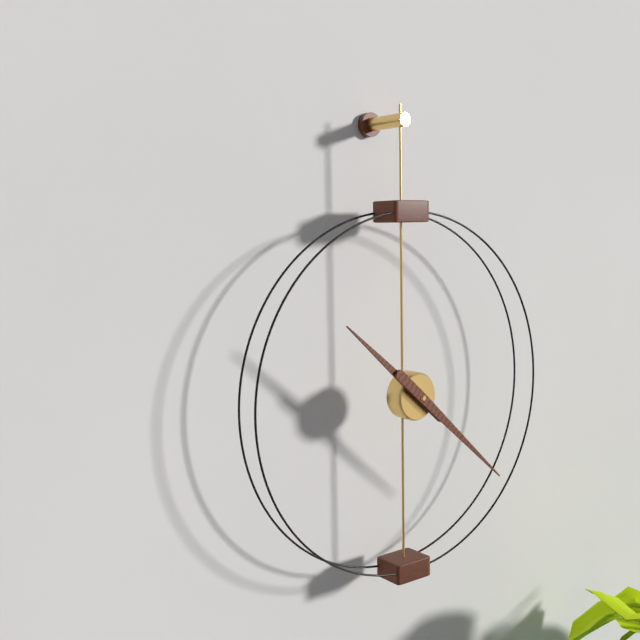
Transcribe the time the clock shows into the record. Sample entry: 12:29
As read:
10:22
